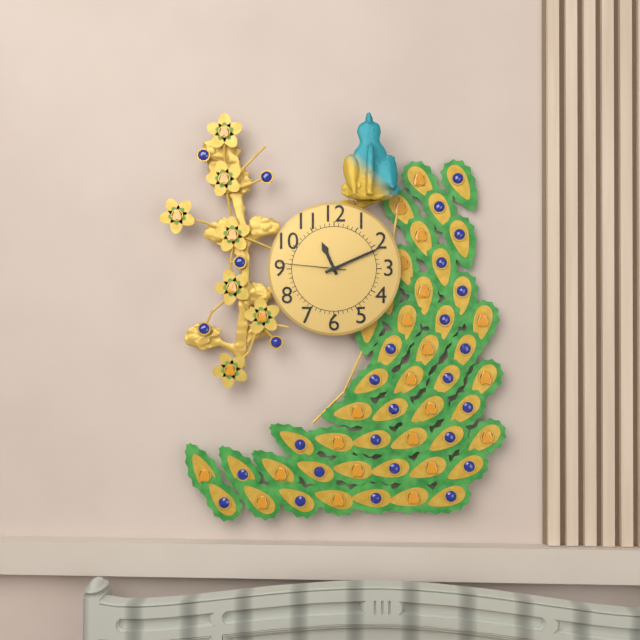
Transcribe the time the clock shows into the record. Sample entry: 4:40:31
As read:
11:11:46
